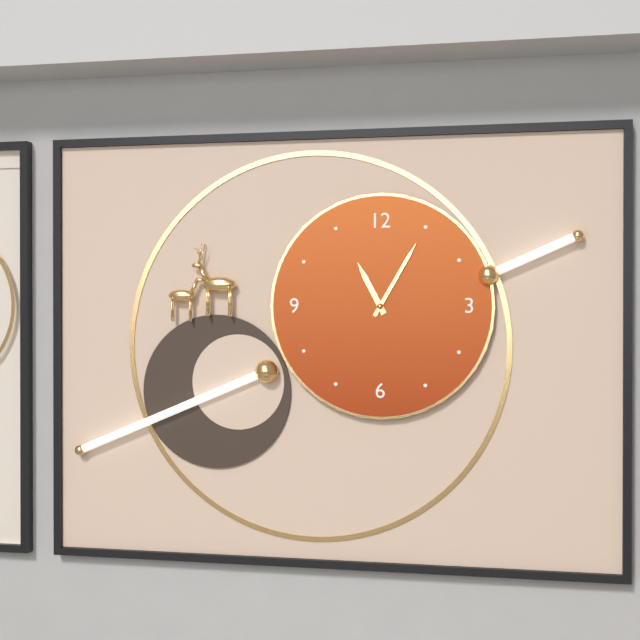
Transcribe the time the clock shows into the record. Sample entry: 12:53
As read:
11:05
